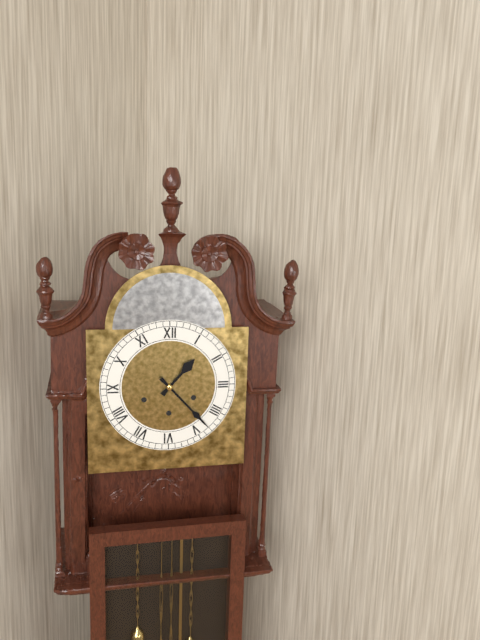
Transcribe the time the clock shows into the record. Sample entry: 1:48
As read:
1:23
